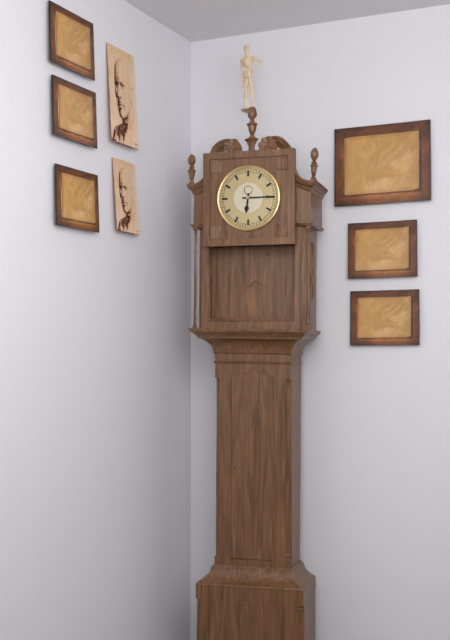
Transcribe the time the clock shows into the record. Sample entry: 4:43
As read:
6:15
